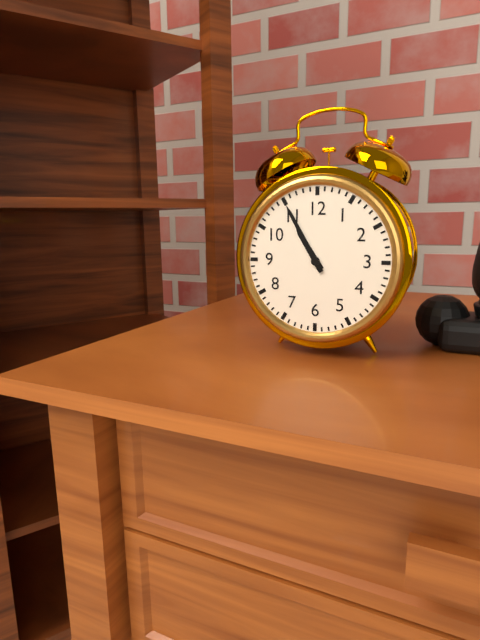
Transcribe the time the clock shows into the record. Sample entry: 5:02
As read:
10:55
